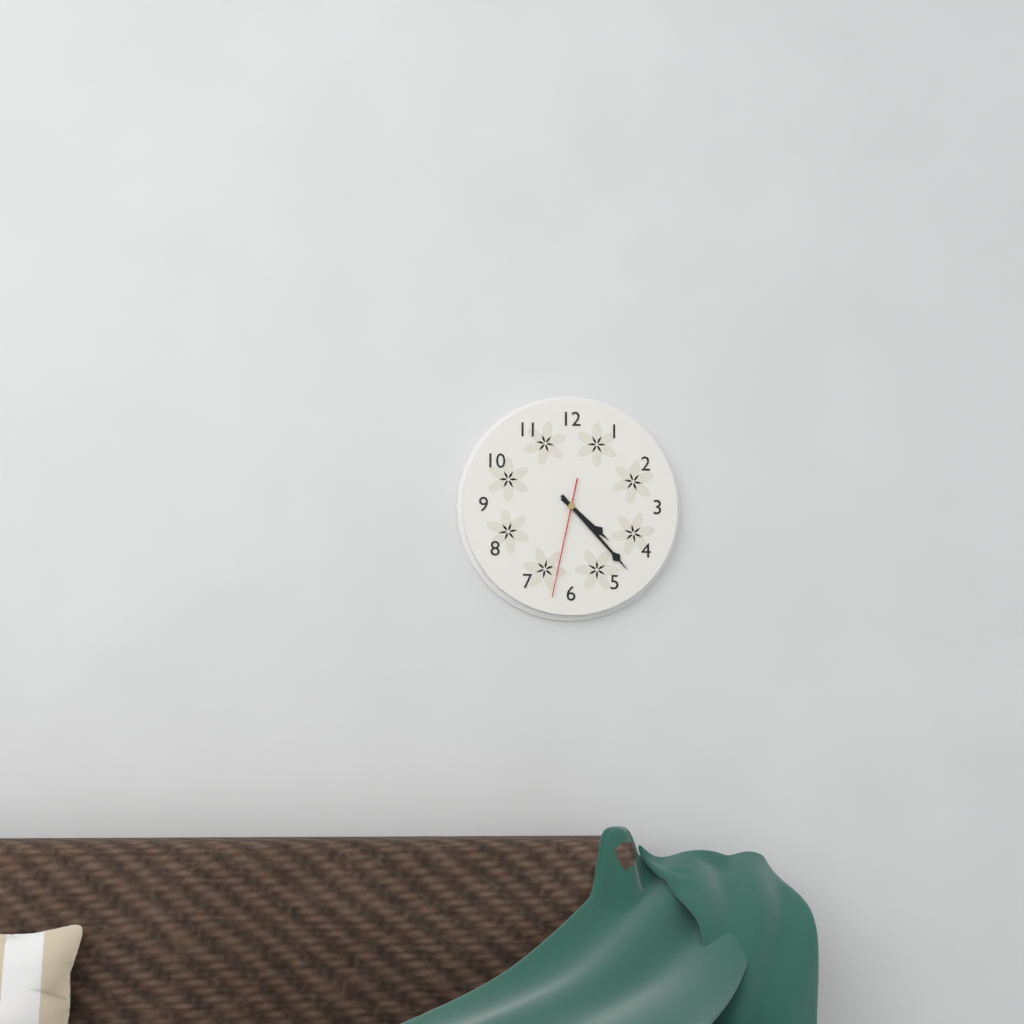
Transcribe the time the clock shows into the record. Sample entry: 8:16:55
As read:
4:23:32
